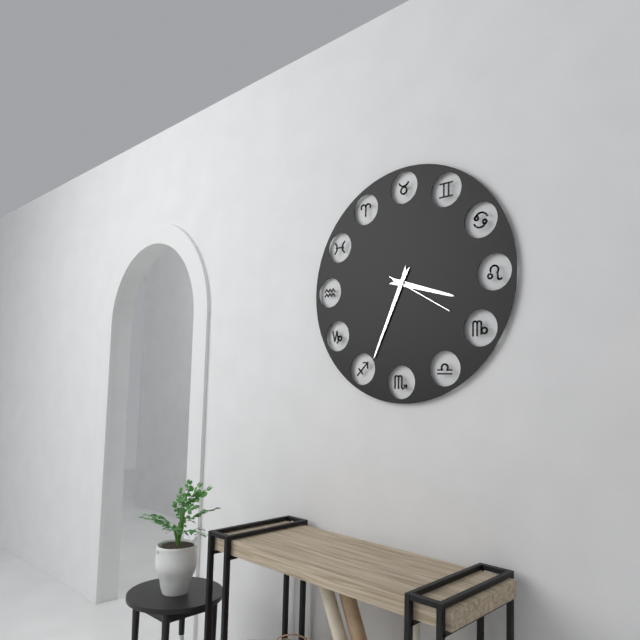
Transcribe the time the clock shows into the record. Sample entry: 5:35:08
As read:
3:34:20
